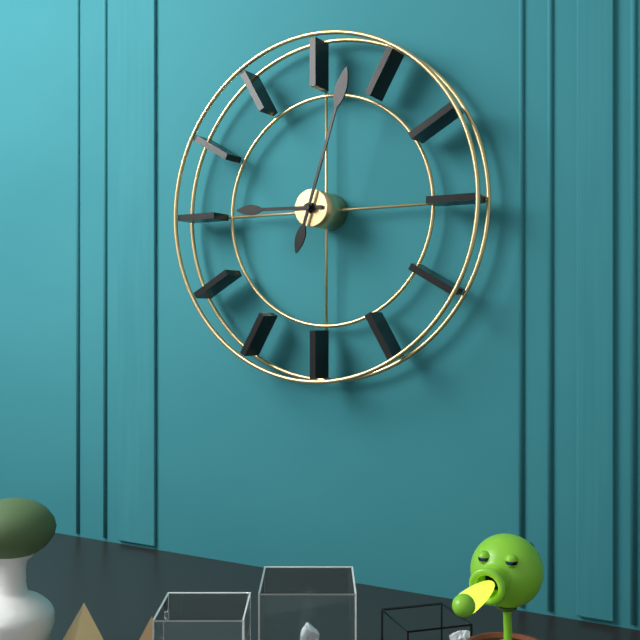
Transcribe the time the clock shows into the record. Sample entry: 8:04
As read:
9:03
